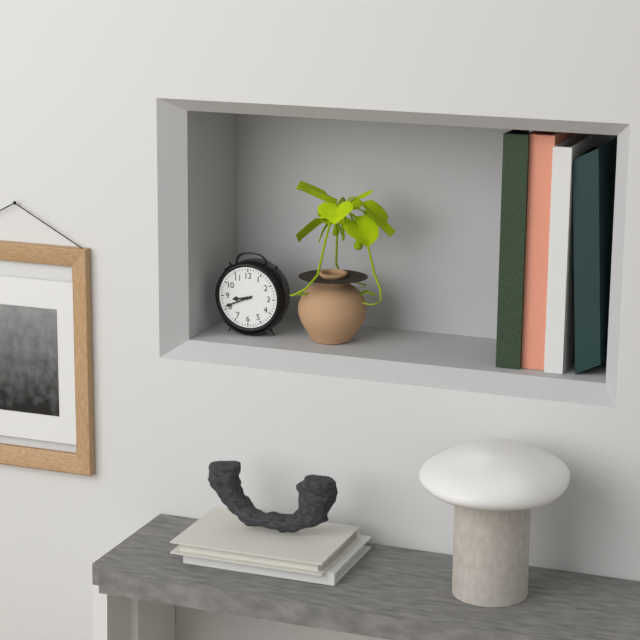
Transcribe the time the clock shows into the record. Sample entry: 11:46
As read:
8:41
